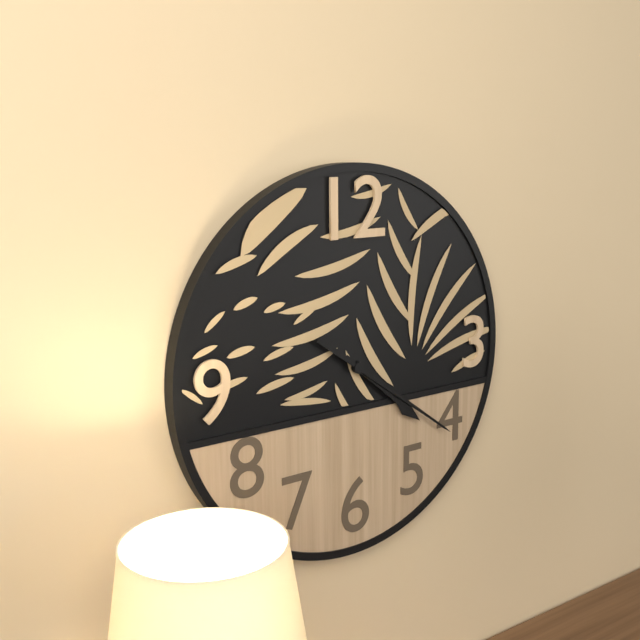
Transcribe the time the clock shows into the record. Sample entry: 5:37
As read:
4:21
